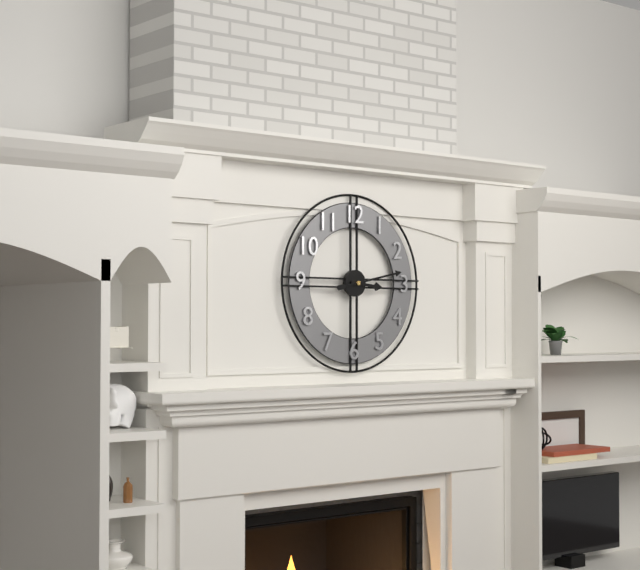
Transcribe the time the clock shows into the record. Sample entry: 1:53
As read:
3:13
